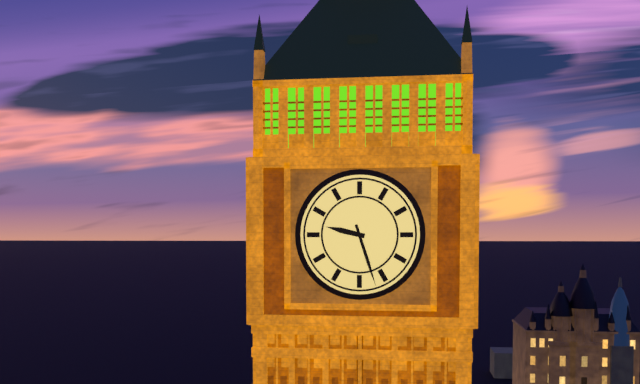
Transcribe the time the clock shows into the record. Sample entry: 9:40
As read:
9:27
